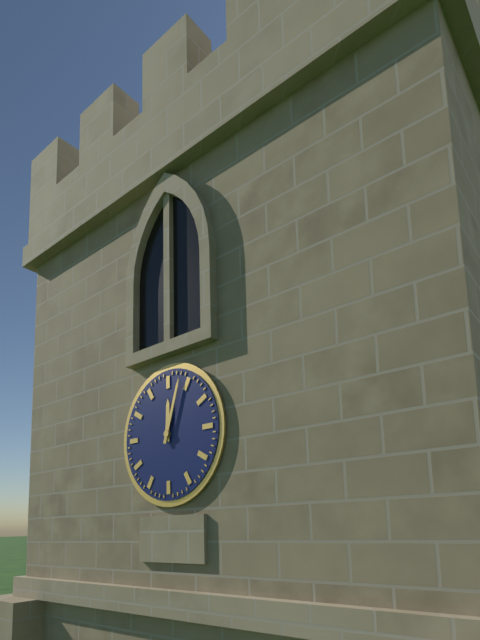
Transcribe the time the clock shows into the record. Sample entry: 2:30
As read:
12:03
